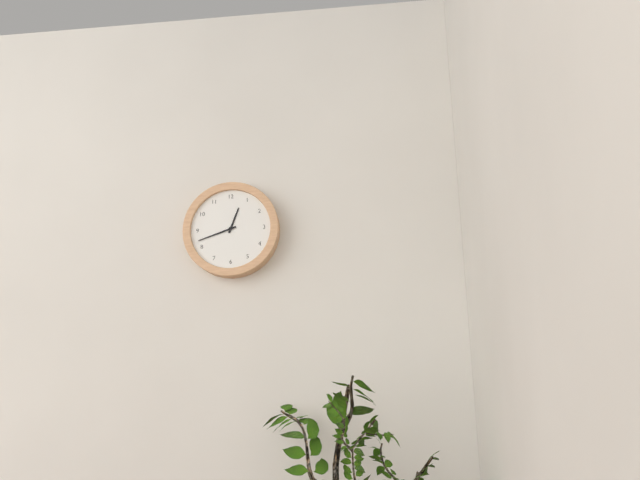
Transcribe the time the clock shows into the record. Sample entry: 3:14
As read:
12:42
